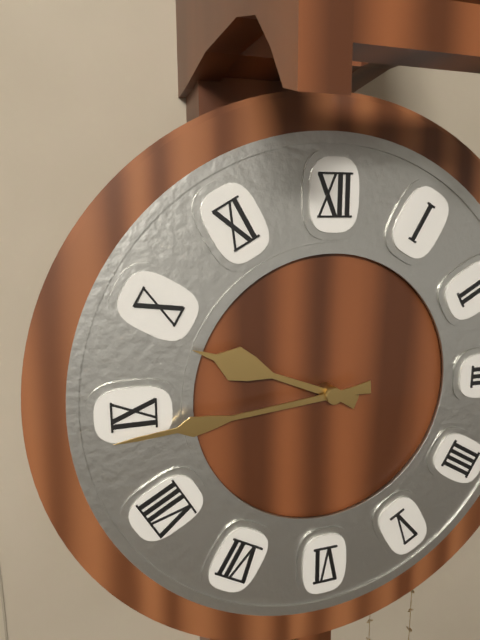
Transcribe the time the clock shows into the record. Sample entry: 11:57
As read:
9:44
